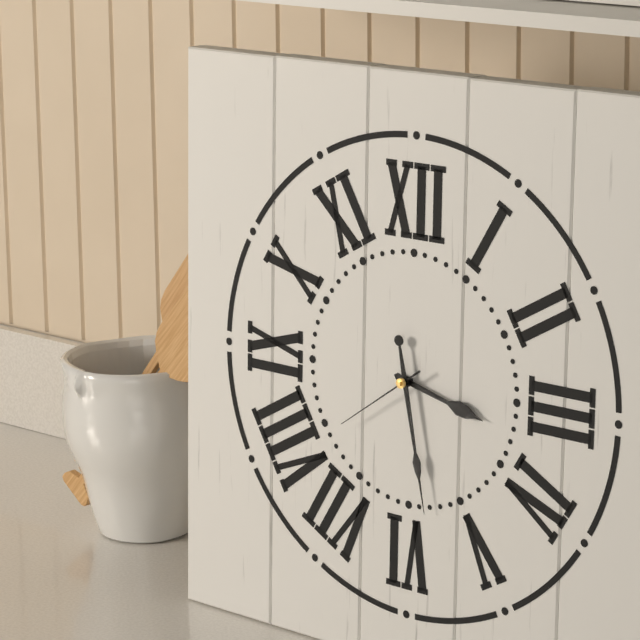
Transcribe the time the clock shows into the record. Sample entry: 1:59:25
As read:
3:28:39
